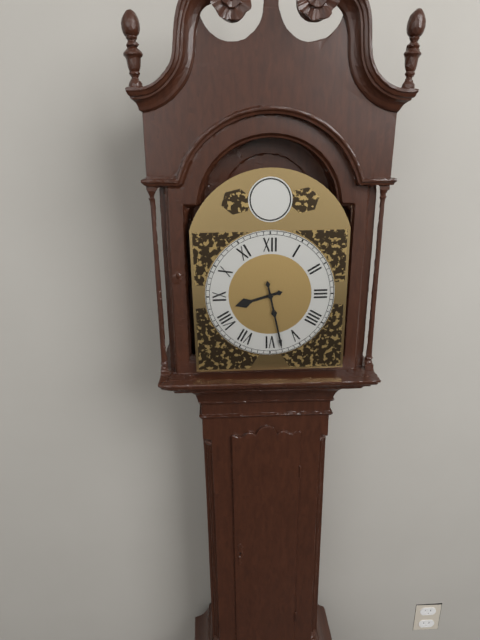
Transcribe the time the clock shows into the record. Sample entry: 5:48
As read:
8:28
